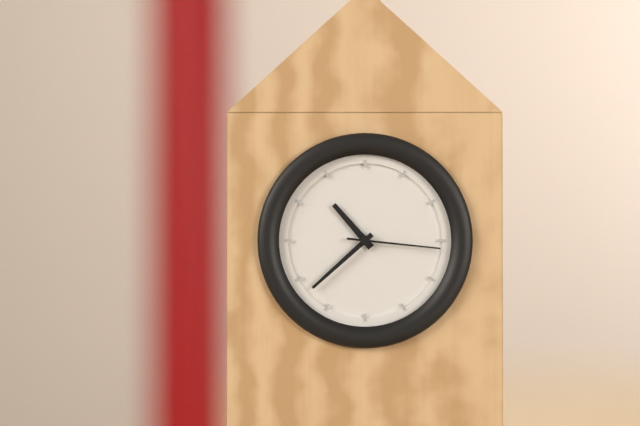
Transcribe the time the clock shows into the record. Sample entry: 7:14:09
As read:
10:38:16
